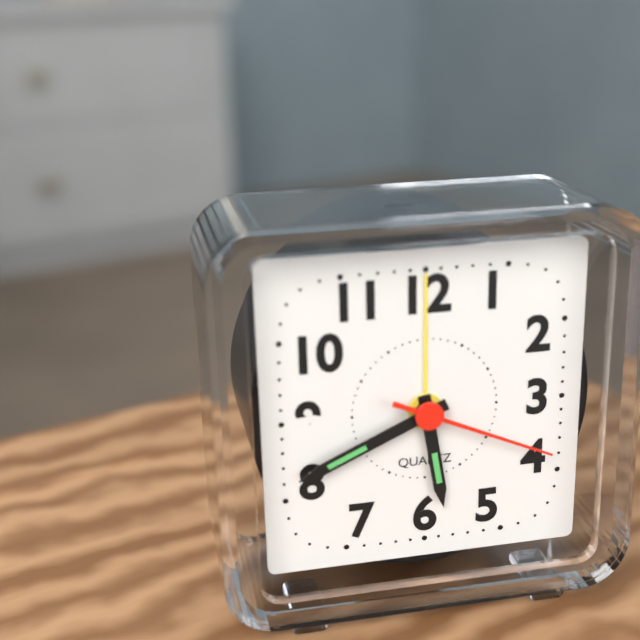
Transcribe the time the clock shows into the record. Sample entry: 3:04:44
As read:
5:41:19
